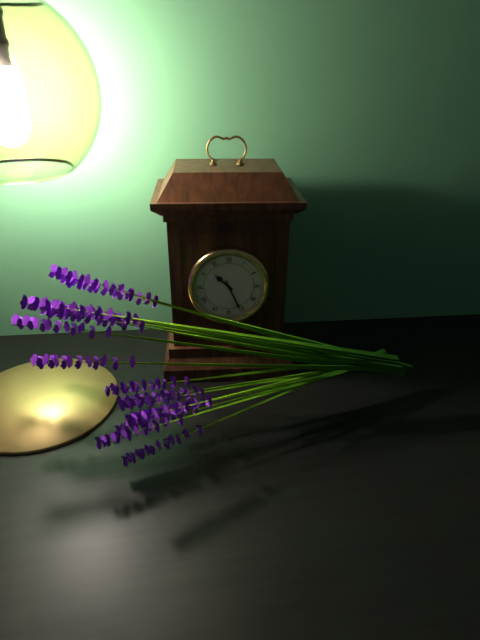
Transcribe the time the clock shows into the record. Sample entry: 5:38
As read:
10:26
